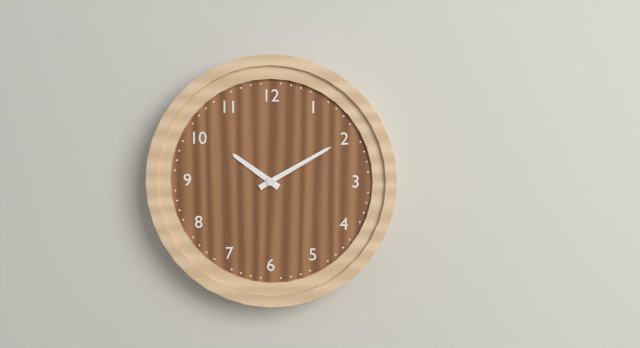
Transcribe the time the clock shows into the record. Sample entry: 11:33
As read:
10:10
